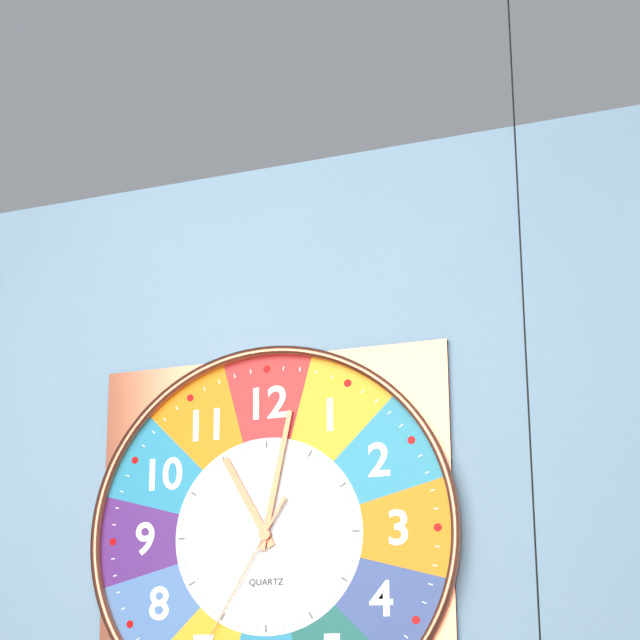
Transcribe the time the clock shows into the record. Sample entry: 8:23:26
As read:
11:02:35
